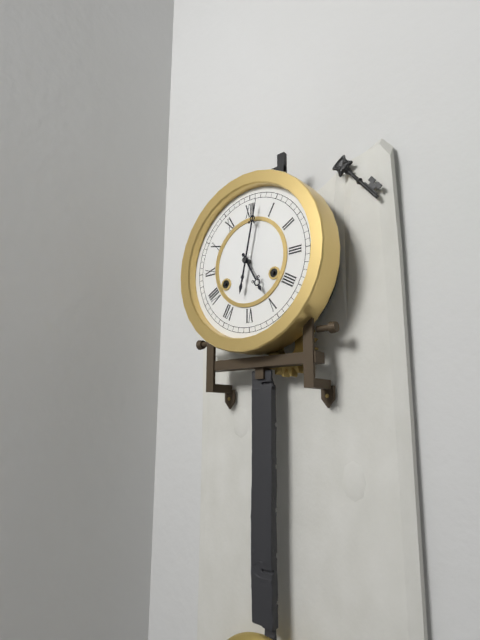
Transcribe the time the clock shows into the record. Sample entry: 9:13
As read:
5:02
